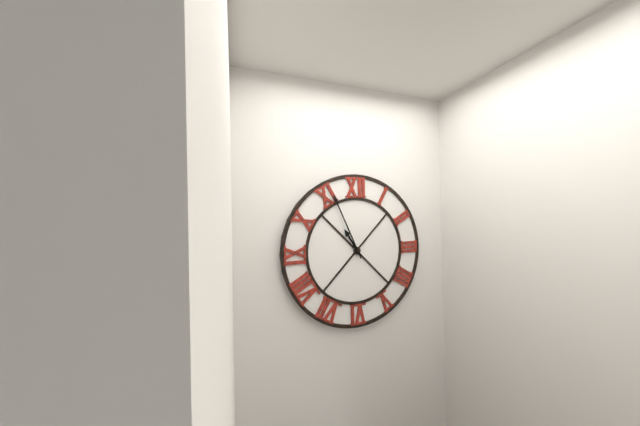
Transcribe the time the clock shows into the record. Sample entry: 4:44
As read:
10:56
